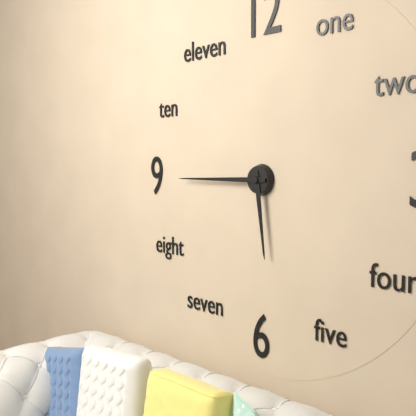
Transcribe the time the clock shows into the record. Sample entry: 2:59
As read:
5:45
